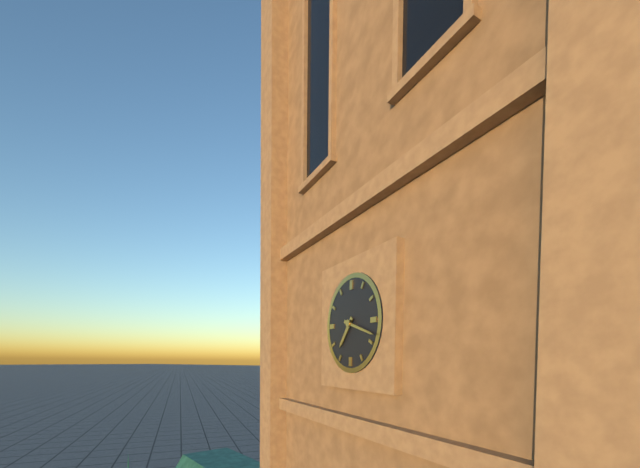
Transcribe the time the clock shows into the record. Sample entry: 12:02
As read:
7:18
